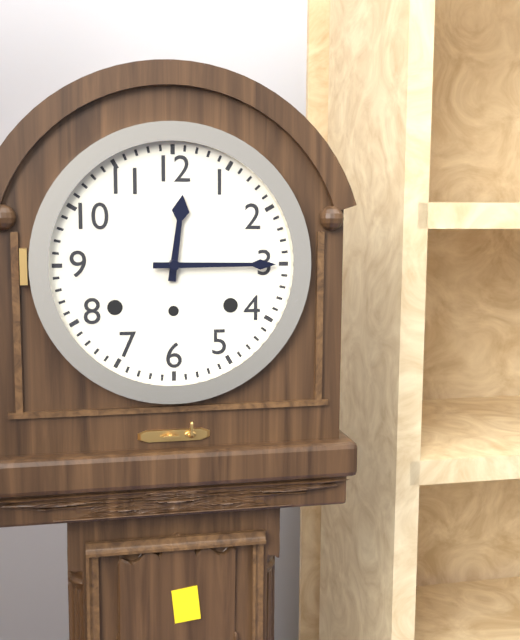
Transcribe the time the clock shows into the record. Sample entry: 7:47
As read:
12:15
